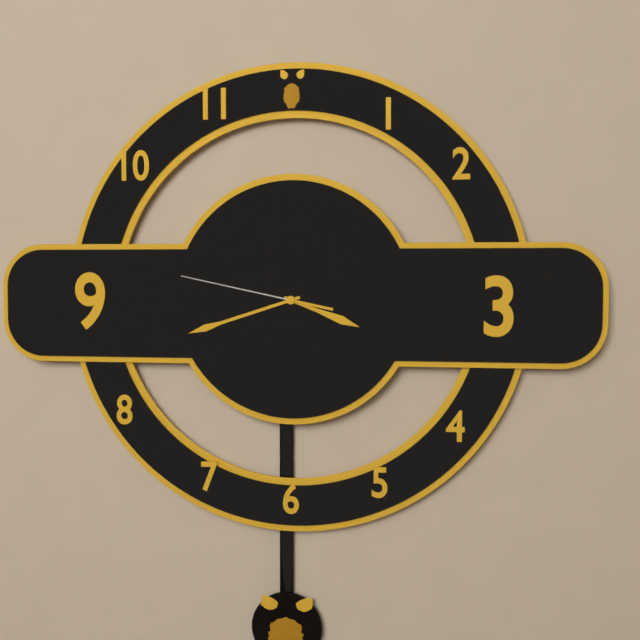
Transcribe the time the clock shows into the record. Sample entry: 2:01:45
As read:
3:42:47
